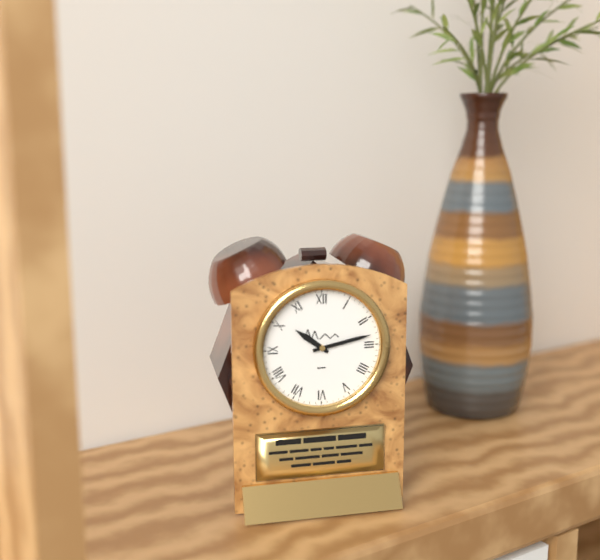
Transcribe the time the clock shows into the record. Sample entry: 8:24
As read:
10:13
